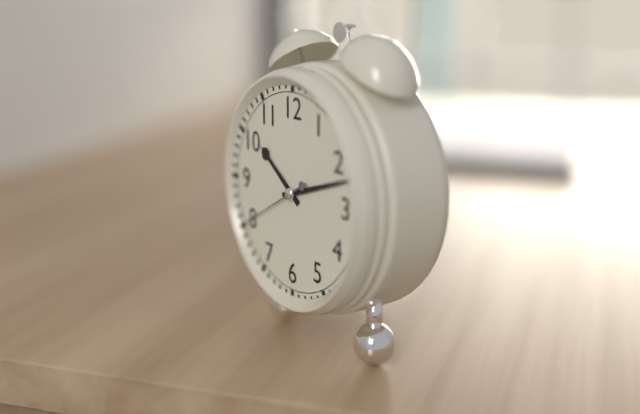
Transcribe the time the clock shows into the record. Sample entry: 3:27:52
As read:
10:12:40
